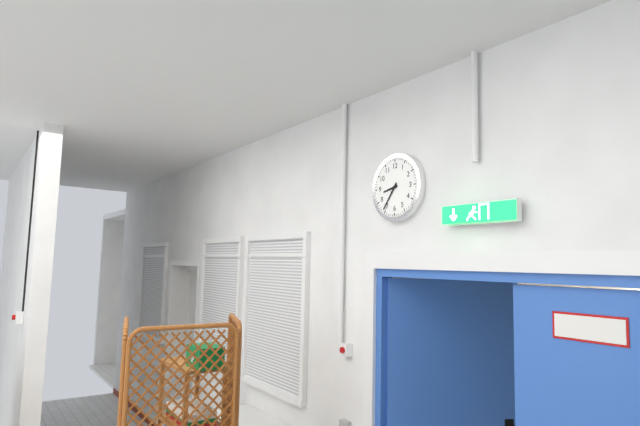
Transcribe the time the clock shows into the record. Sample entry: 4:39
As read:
8:36
